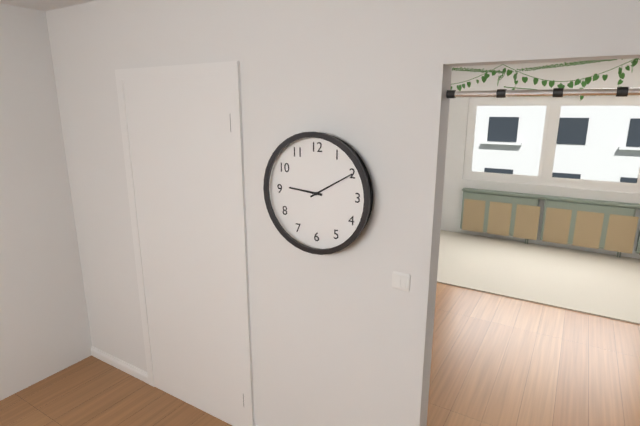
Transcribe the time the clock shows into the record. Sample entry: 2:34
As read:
9:10
